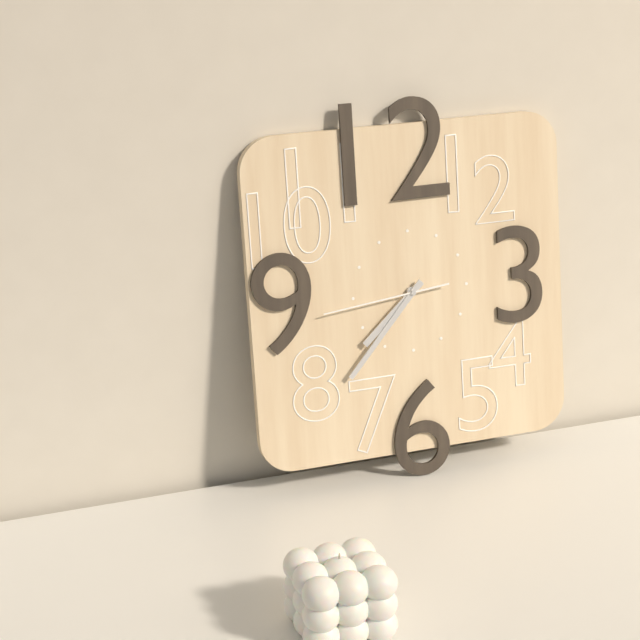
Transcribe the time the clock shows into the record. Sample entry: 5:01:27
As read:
7:37:44
